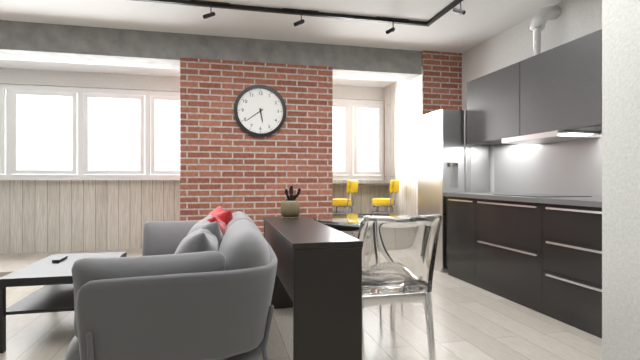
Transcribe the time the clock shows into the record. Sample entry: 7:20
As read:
5:39
